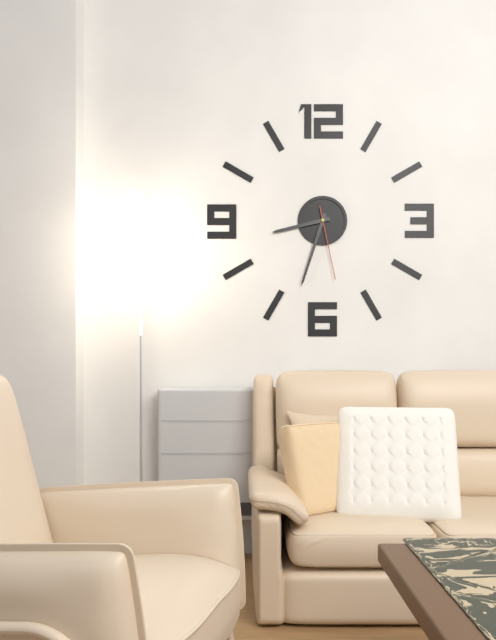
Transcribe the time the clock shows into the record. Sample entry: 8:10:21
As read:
8:33:28
